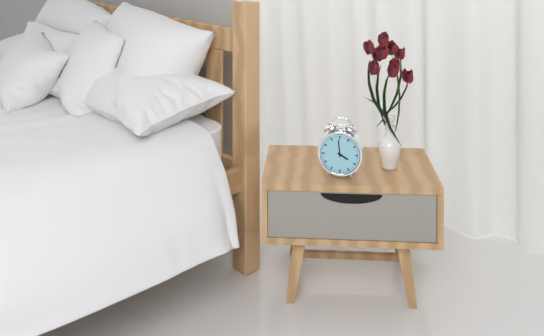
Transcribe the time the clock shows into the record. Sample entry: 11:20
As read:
3:59
